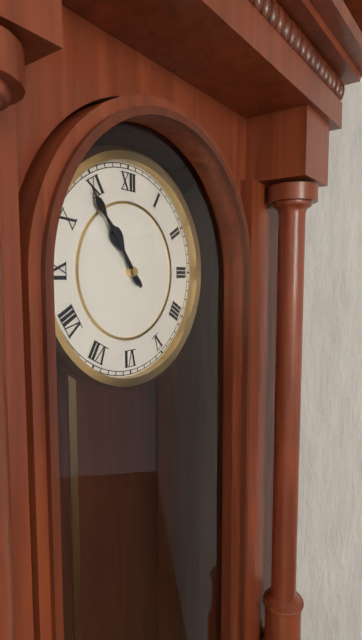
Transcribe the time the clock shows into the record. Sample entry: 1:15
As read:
10:54
